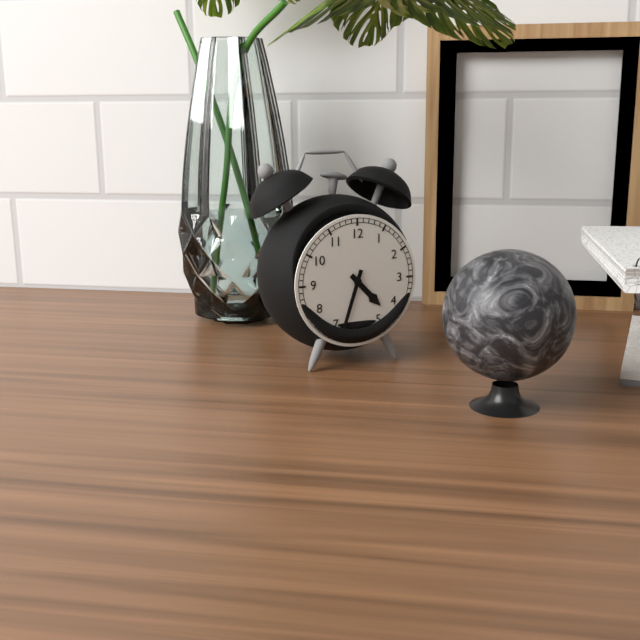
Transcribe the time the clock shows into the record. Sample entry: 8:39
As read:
4:33
